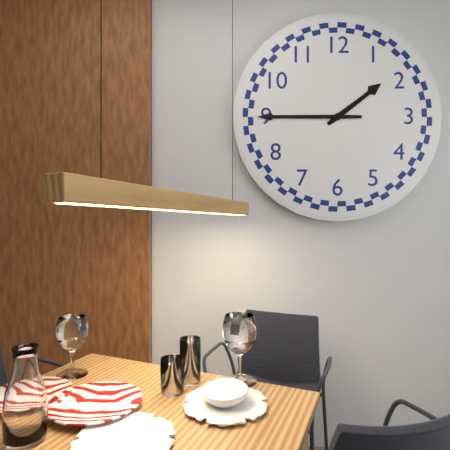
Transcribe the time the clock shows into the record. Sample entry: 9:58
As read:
1:45
